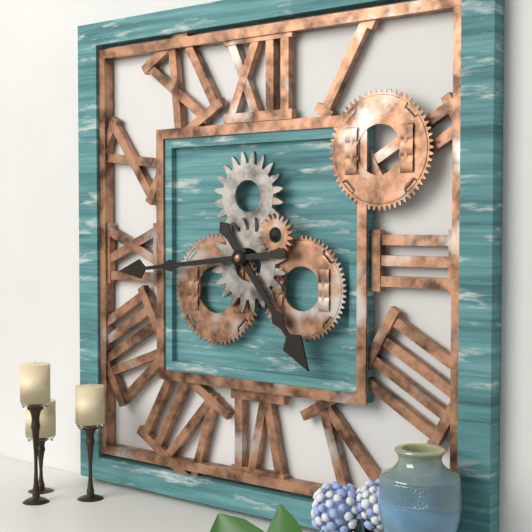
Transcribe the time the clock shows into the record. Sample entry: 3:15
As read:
4:44
